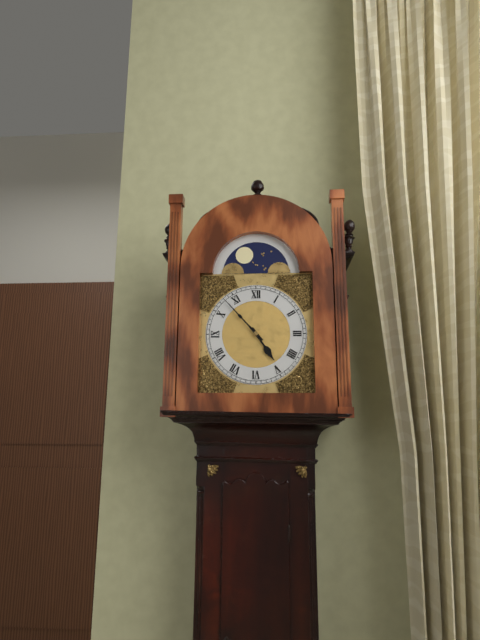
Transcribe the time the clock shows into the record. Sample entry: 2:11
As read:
4:53
